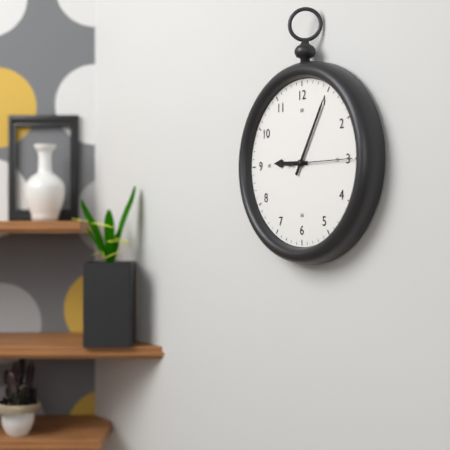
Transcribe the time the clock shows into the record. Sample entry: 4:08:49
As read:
9:05:15
